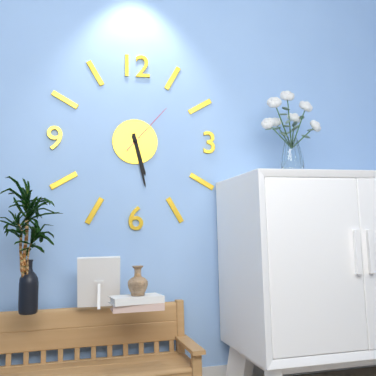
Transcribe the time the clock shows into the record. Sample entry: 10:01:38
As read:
5:28:07
